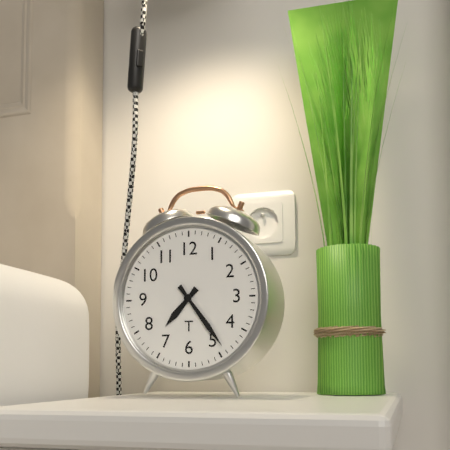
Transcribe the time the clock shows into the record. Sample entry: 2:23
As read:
7:24
